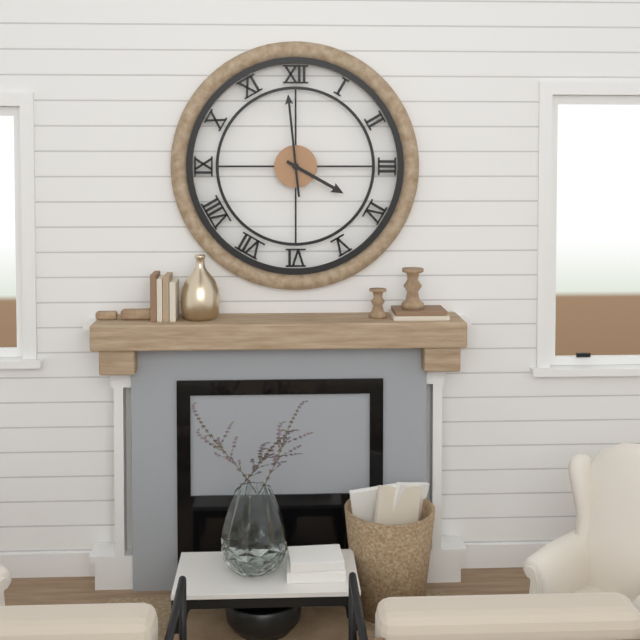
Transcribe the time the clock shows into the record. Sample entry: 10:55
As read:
3:59
